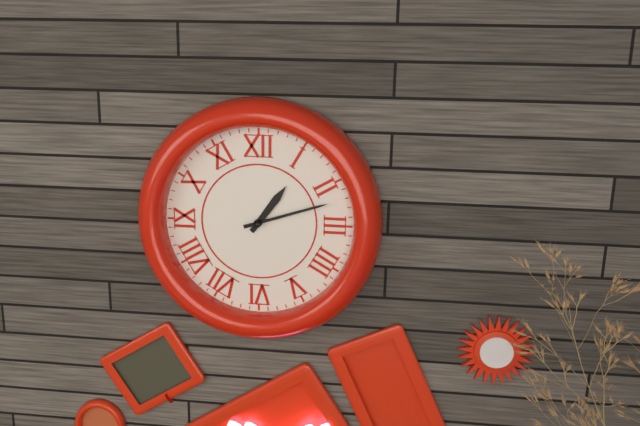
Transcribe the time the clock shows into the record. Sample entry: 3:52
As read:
1:12
